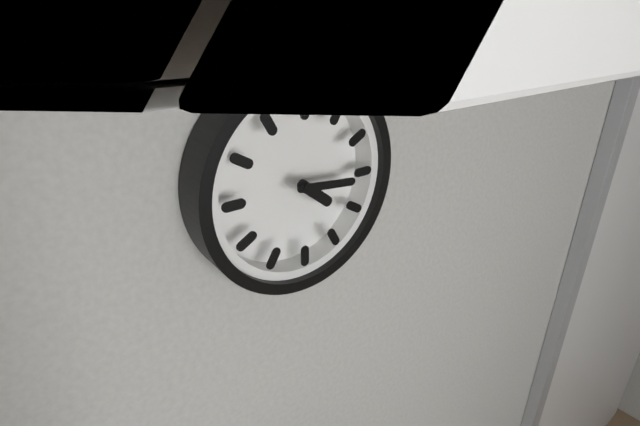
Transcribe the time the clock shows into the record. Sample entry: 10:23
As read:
4:16
